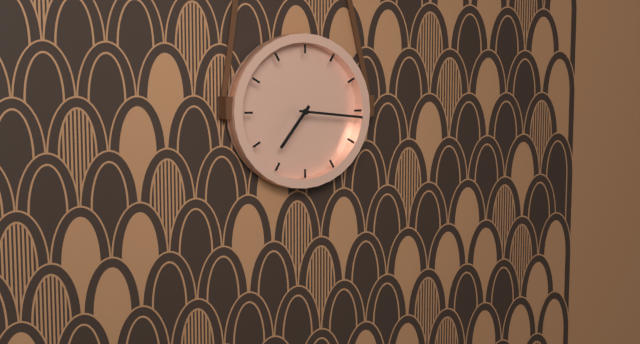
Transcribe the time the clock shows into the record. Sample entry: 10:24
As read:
7:16
